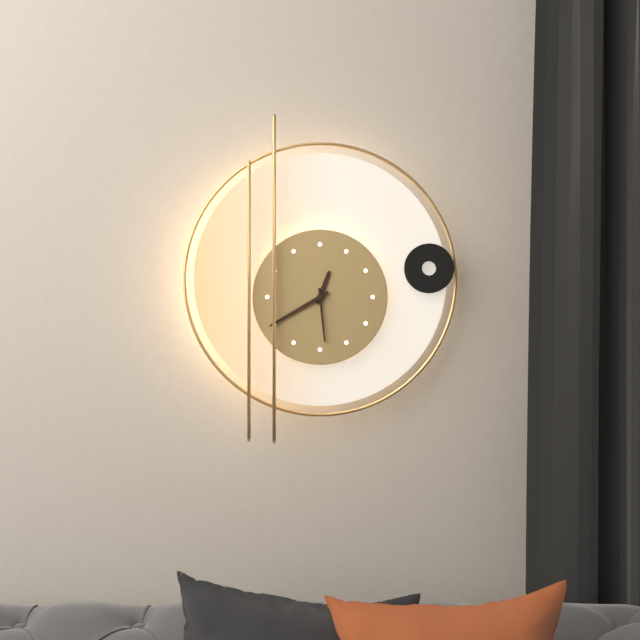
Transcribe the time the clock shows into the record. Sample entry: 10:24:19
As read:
12:40:29
